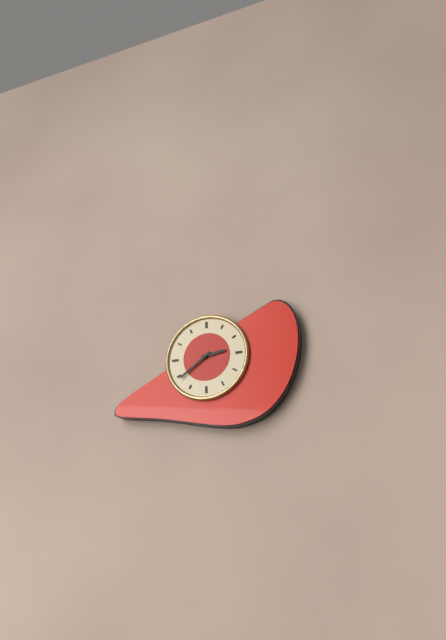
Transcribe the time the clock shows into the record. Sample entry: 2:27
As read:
2:39
